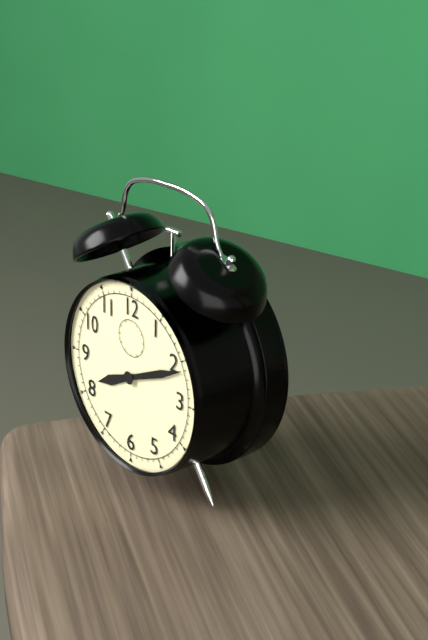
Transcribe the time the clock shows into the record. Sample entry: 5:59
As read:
8:11
